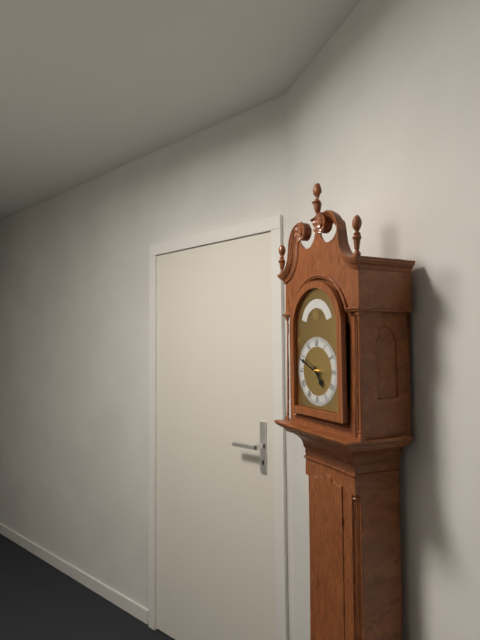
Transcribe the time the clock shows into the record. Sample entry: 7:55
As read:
4:49
